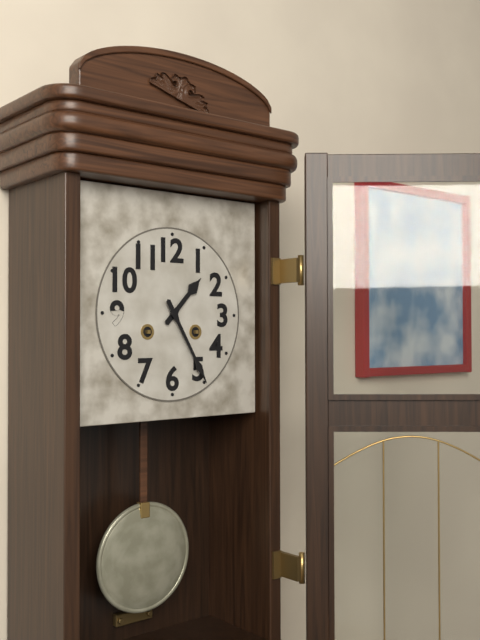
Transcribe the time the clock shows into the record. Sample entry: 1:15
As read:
1:25
